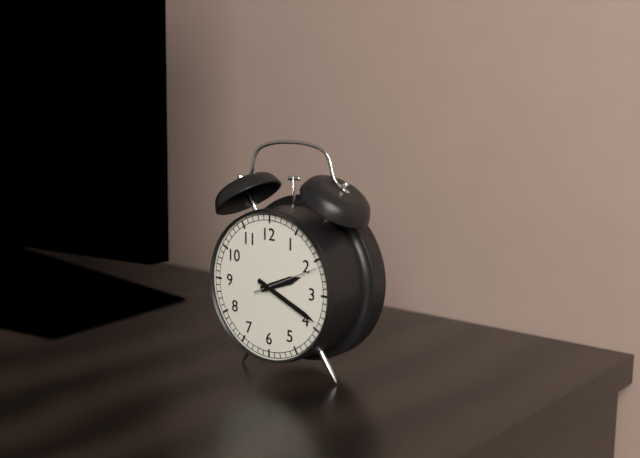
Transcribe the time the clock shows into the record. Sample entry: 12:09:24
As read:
2:19:11
